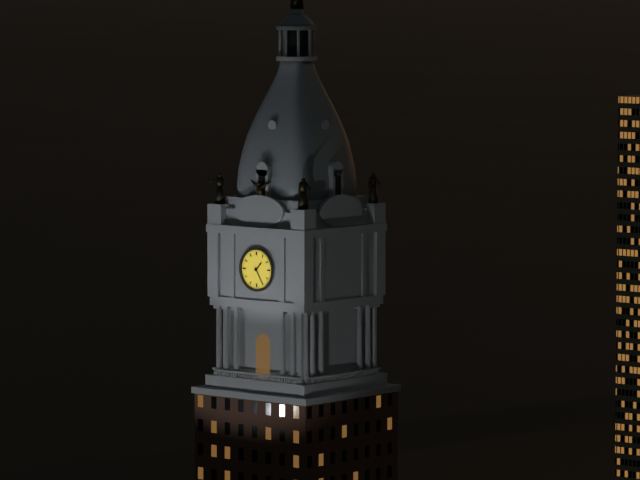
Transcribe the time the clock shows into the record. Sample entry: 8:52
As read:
1:25
